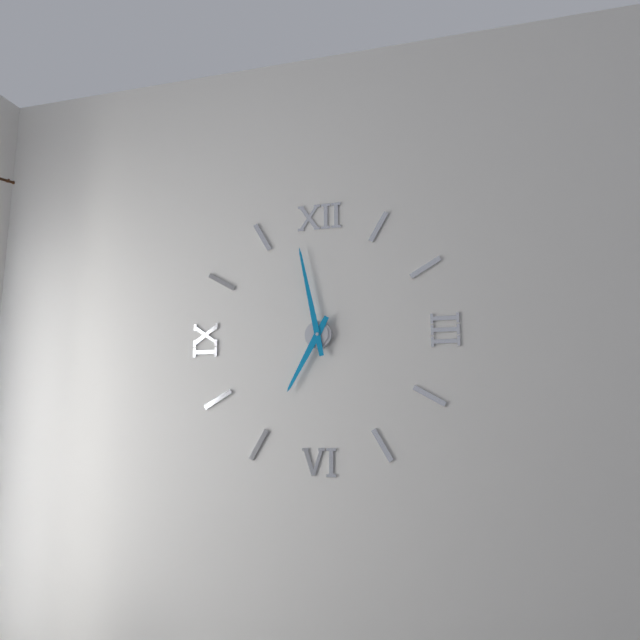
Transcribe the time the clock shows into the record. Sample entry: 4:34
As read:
6:58
